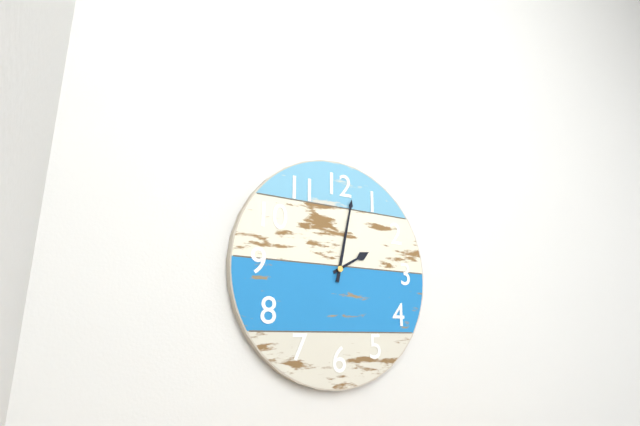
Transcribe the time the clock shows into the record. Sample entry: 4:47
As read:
2:02
